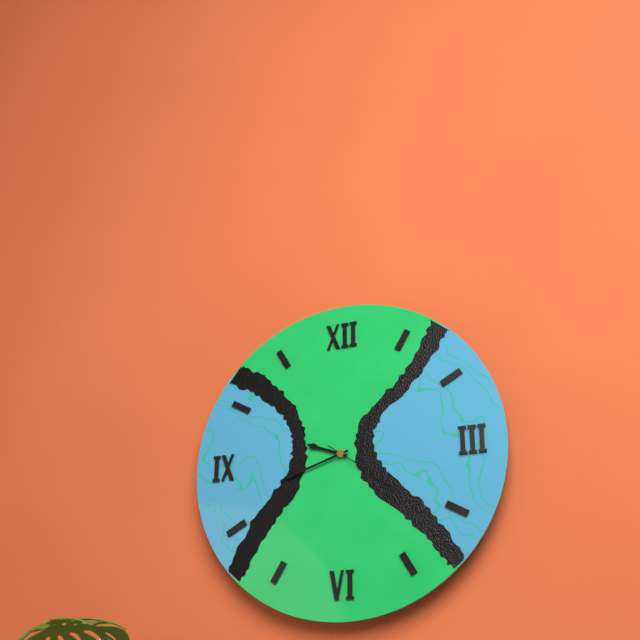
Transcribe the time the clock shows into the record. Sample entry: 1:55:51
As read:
9:42:21
